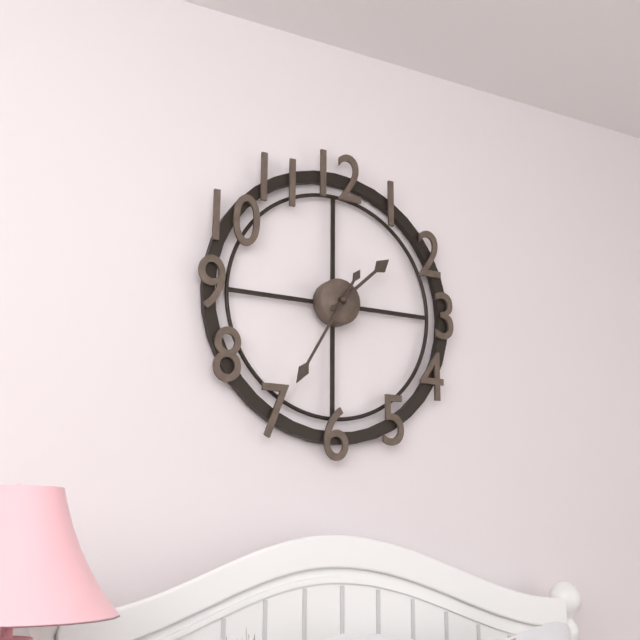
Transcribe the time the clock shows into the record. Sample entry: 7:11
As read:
1:35
